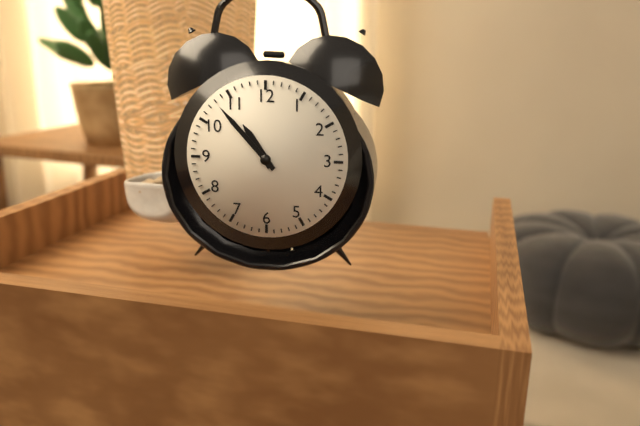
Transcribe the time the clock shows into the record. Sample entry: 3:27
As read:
10:53
